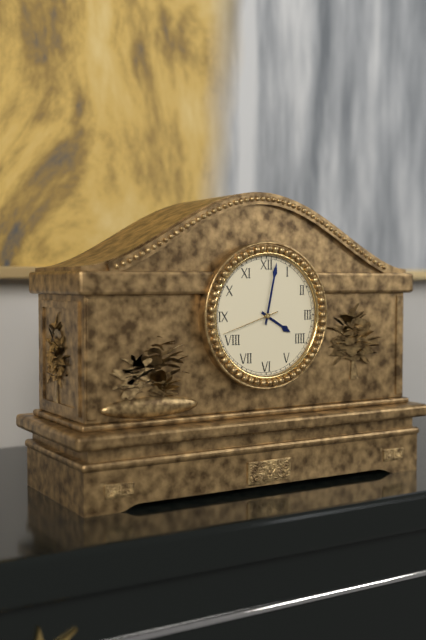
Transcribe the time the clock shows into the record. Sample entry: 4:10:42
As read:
4:02:42
